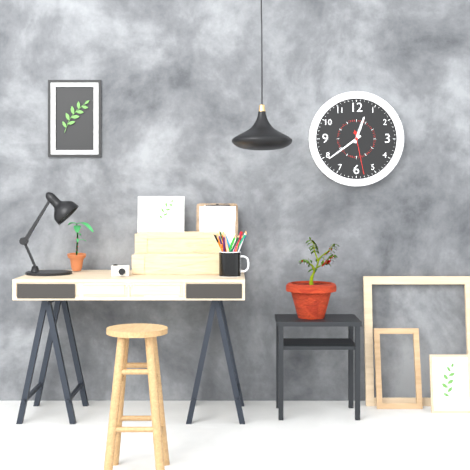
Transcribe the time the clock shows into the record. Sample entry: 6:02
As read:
12:39
